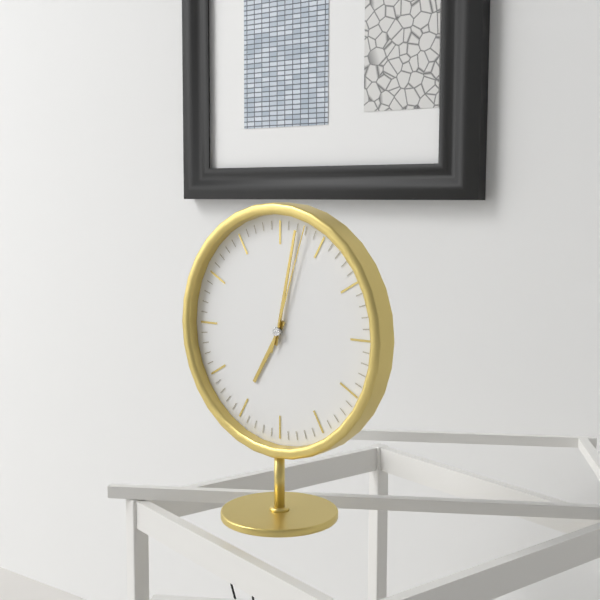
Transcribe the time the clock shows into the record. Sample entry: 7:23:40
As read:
7:02:03
